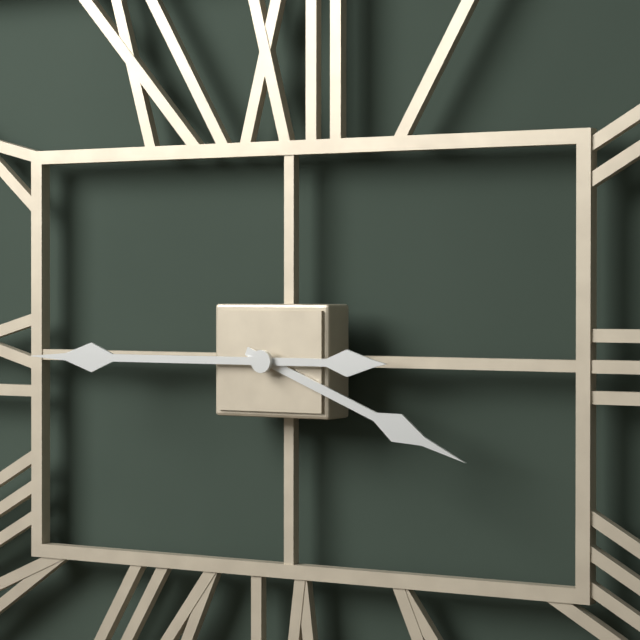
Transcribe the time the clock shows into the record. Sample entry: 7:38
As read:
3:45
